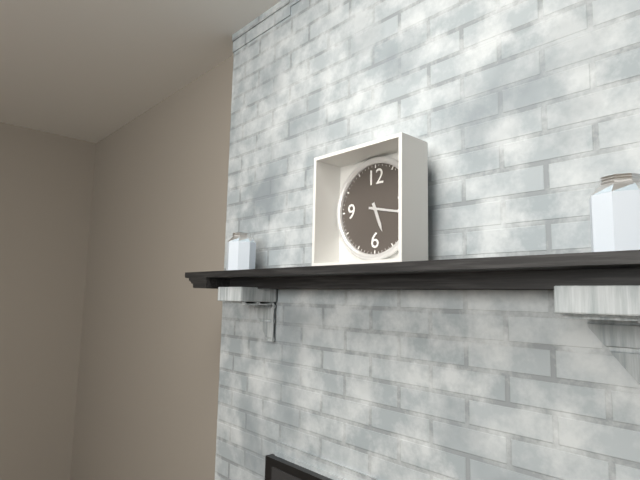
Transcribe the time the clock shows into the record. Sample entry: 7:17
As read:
5:17
